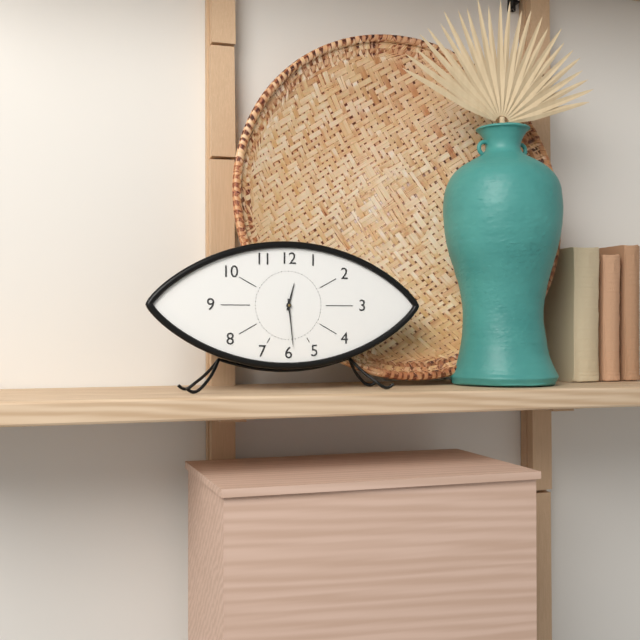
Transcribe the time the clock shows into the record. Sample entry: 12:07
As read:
12:29
